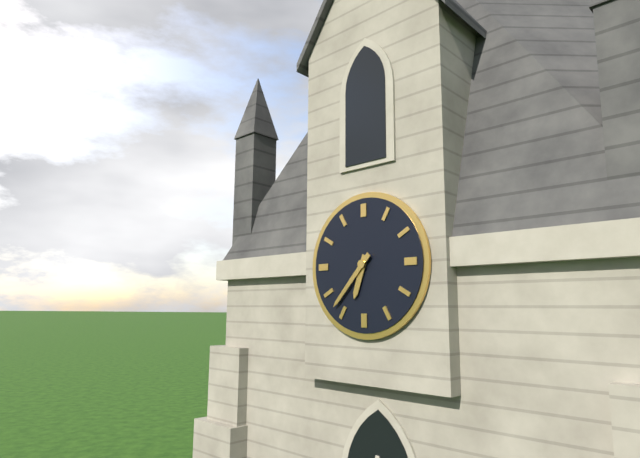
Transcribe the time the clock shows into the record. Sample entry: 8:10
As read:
6:37
